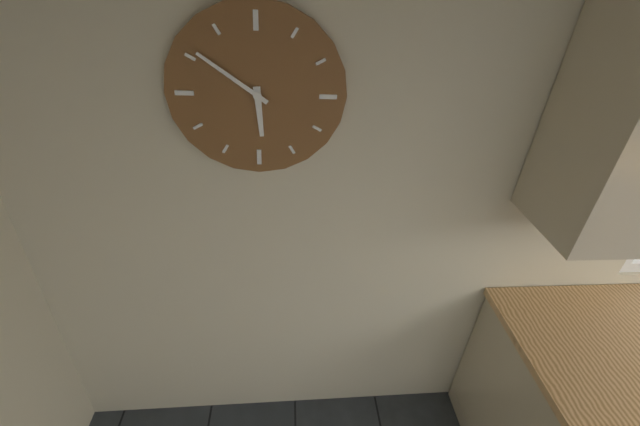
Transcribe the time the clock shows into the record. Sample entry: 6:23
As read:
5:51
